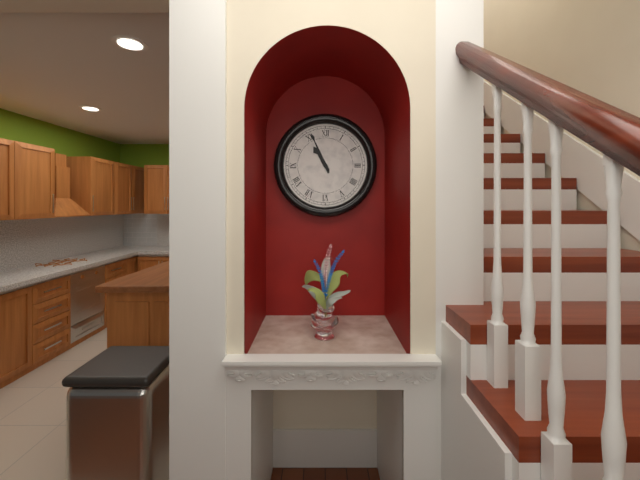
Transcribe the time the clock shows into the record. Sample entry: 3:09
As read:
10:56
